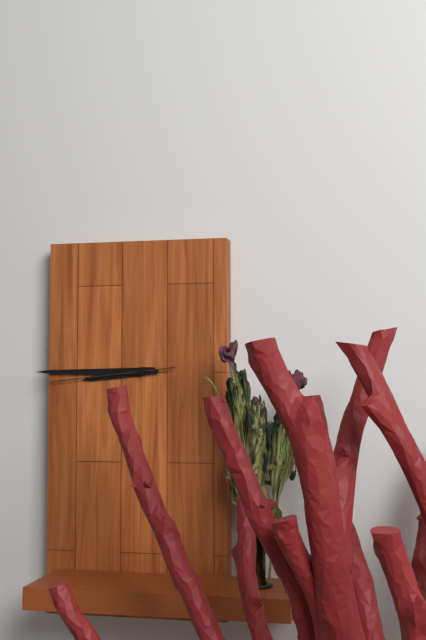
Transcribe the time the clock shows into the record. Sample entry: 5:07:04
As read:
8:45:44
